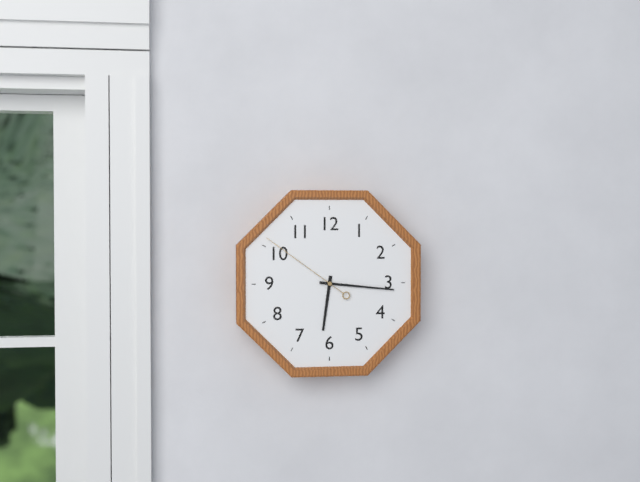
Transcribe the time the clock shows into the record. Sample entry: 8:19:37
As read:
6:16:51
